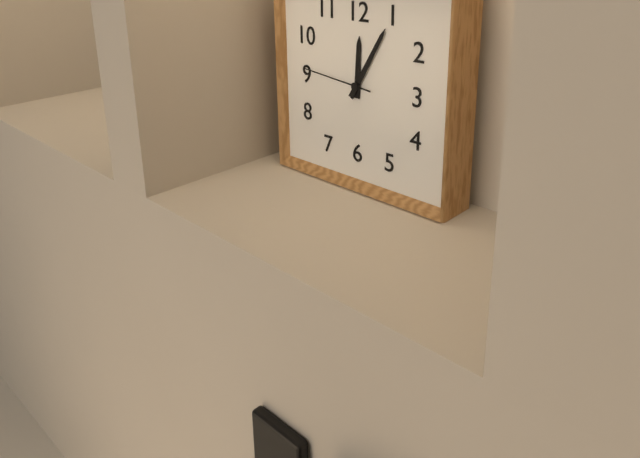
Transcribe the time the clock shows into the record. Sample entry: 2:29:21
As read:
12:05:46
